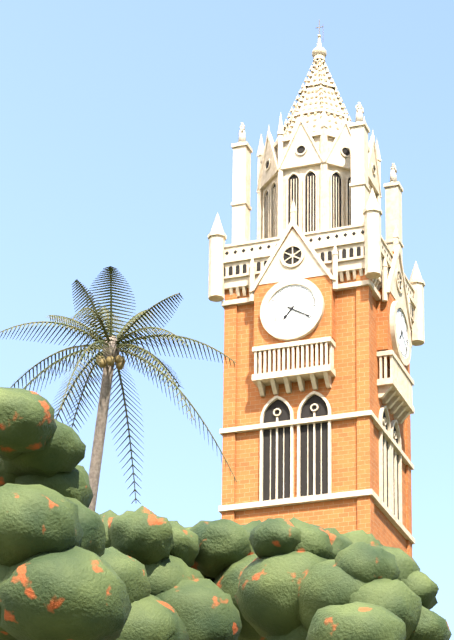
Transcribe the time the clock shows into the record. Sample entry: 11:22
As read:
7:20
